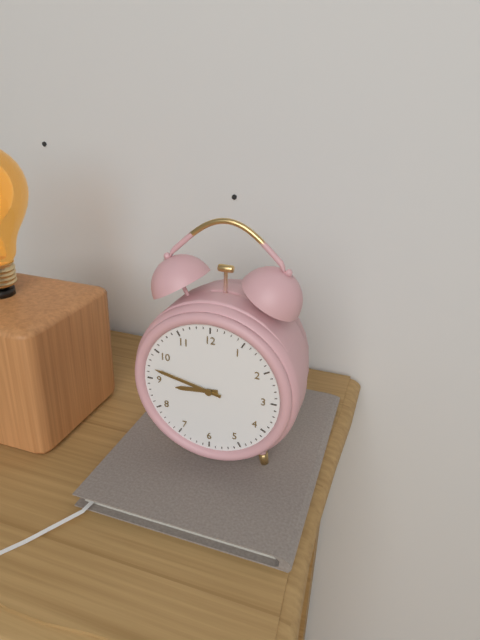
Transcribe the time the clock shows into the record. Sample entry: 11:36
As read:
8:47
